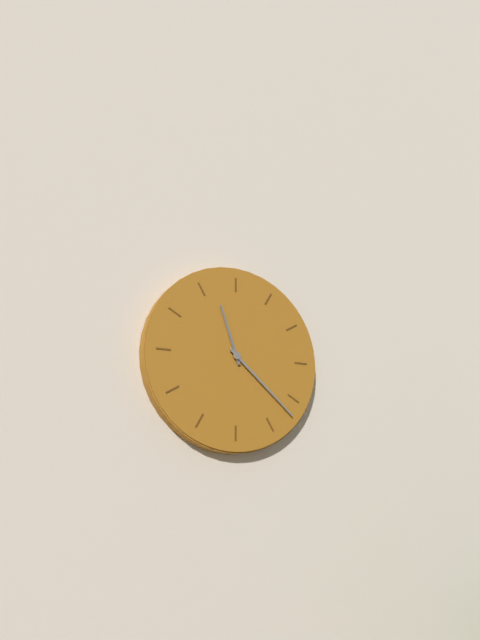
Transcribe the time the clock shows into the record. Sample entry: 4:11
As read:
11:22
